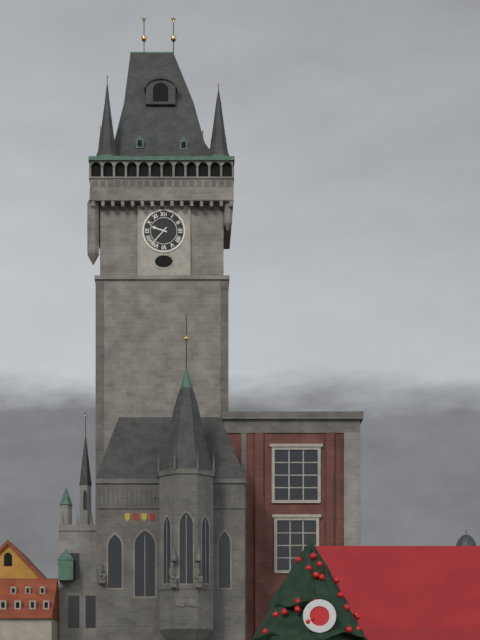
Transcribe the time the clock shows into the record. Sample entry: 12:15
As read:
9:37
